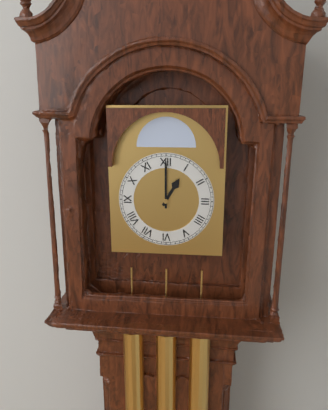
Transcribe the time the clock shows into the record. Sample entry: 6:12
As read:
1:00
